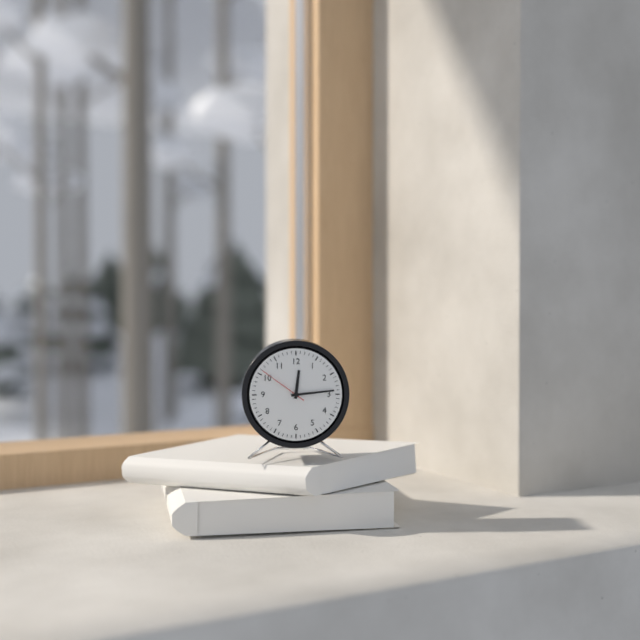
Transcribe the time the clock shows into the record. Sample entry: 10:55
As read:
12:14
